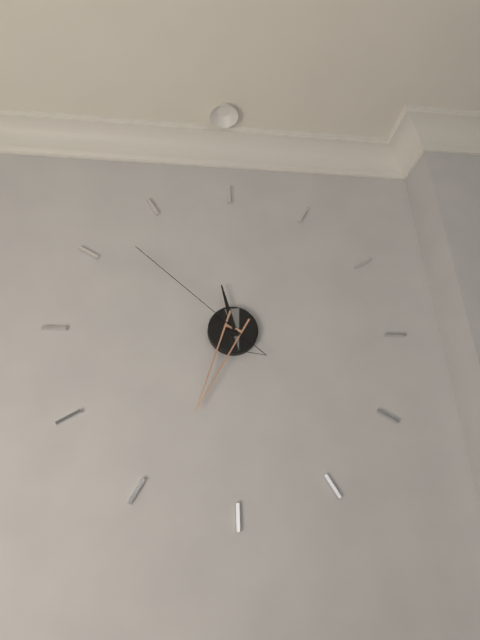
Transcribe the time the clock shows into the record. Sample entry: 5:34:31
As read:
11:34:52
